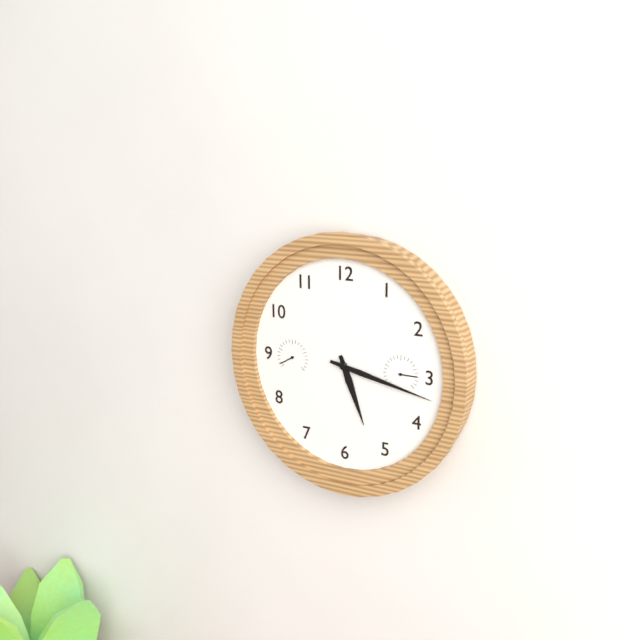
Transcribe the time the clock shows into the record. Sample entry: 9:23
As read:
5:17
